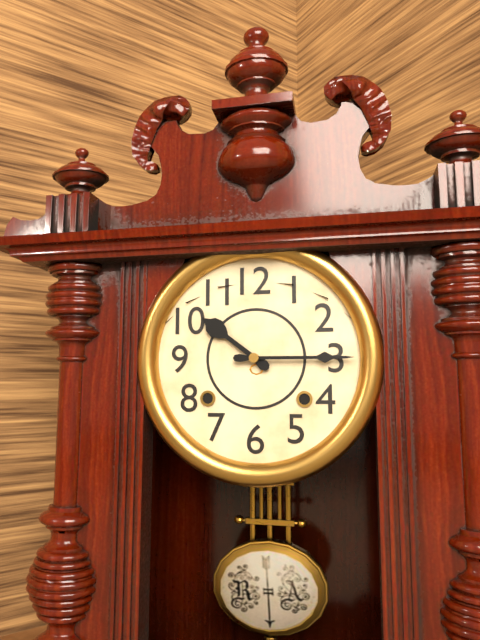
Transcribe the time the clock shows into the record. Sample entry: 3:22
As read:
10:15
